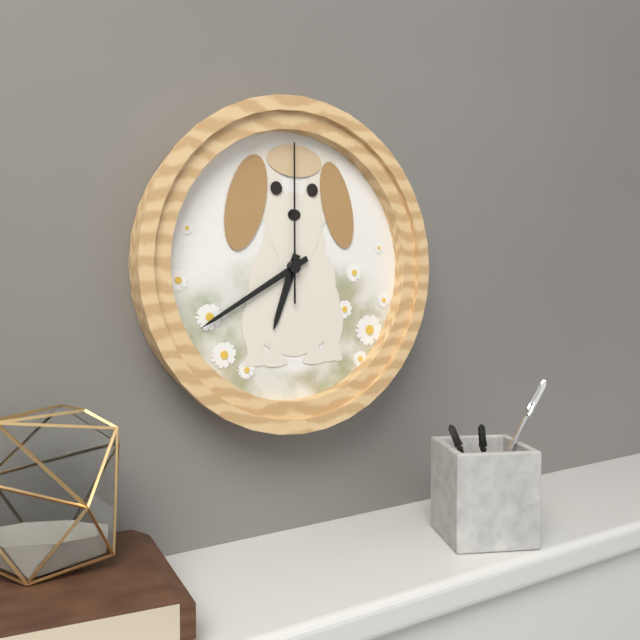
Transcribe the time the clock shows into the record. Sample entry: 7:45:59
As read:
6:40:00
